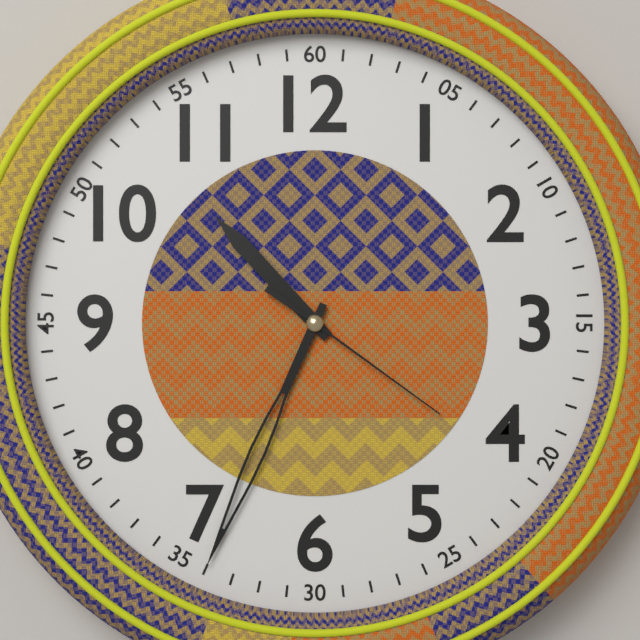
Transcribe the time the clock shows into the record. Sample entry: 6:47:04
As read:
10:34:21
